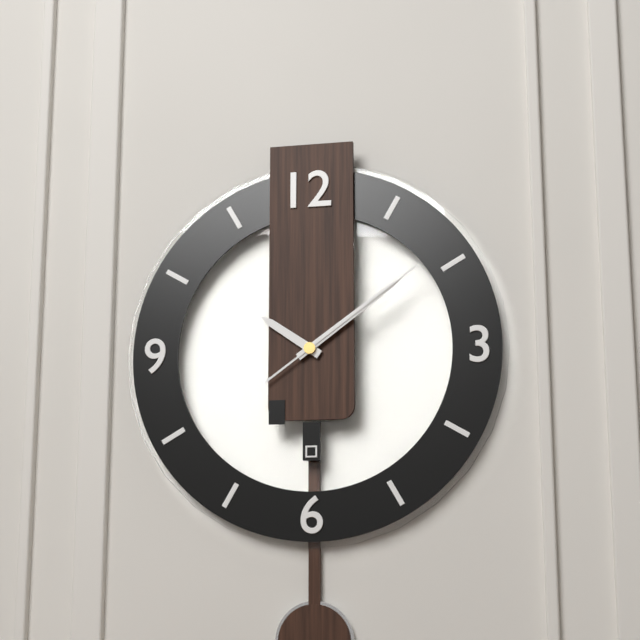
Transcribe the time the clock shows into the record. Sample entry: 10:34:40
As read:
10:09:09
